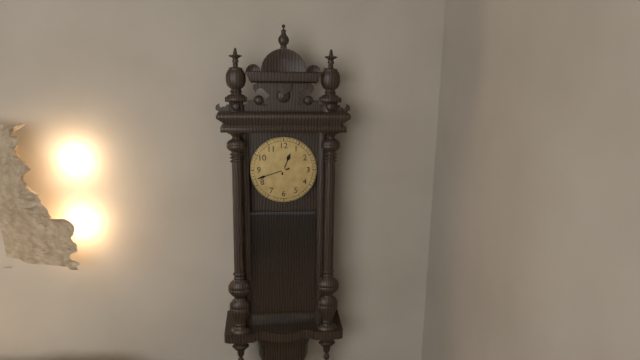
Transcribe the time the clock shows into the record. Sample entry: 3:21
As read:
12:42
